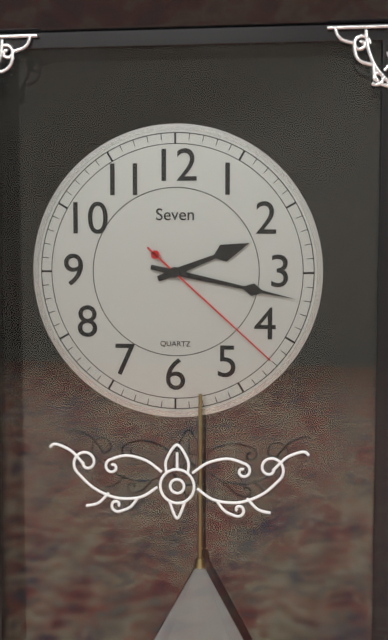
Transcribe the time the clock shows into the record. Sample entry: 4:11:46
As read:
2:17:22
